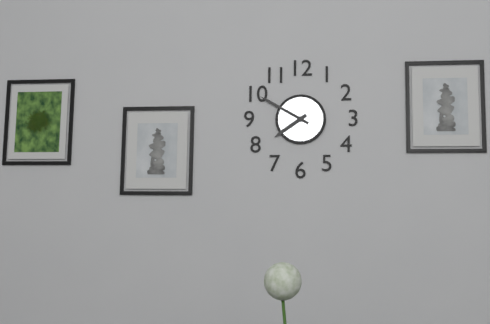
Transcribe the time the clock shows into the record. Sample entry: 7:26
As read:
7:50
